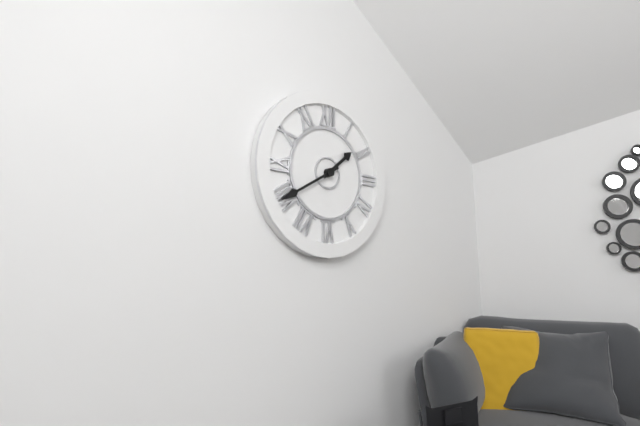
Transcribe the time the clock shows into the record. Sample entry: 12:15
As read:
1:40
